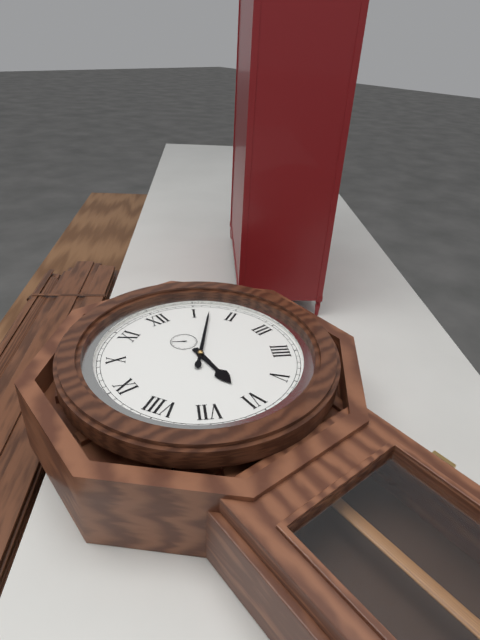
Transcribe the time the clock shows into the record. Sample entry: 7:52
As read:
6:07
